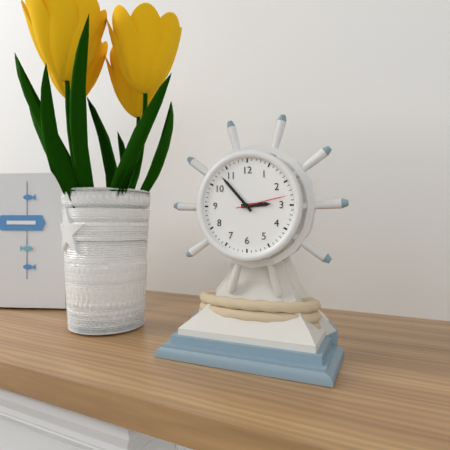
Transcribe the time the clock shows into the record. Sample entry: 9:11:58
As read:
2:53:13
